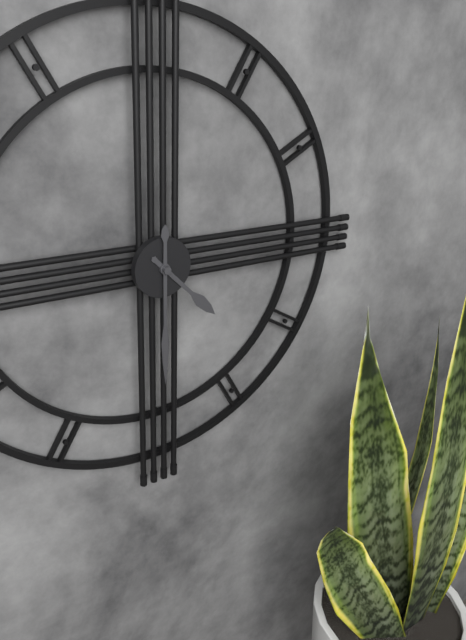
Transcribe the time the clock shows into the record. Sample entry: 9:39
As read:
4:30
